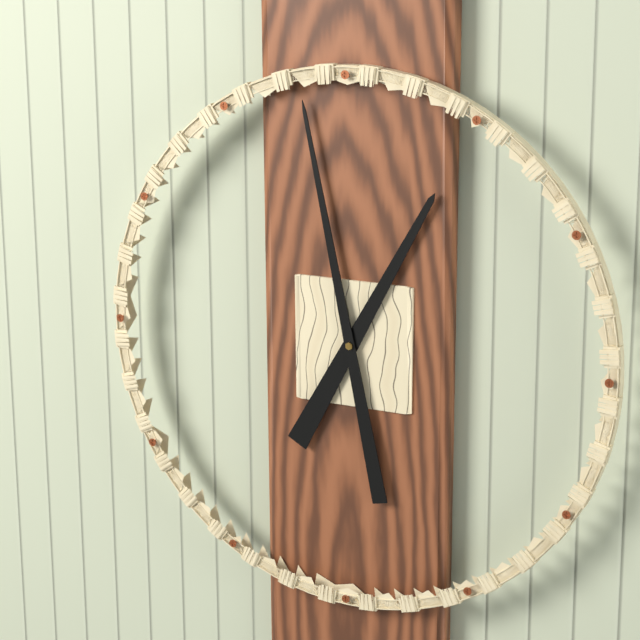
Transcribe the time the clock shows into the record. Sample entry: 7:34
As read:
12:58
